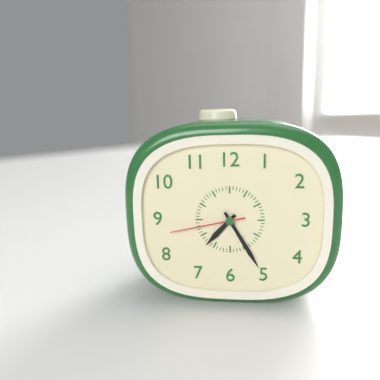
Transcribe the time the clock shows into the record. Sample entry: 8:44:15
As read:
7:25:43
